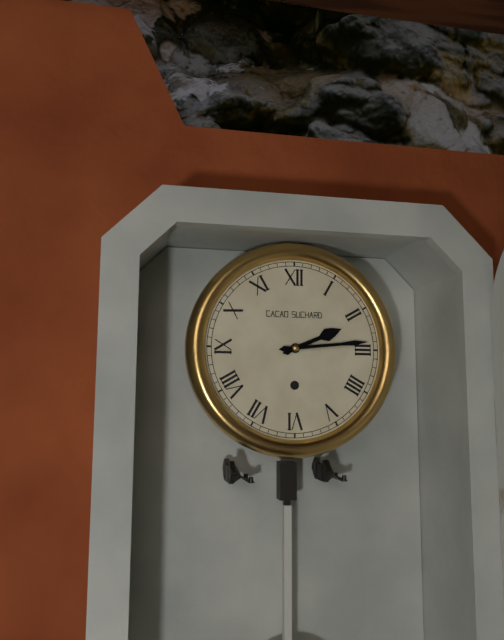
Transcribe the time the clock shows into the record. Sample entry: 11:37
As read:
2:14
